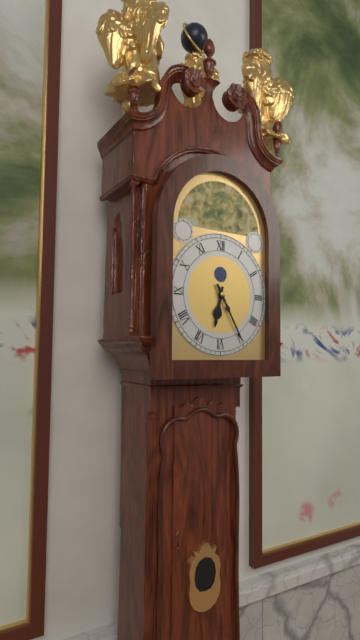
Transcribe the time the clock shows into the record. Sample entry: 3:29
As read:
6:25
